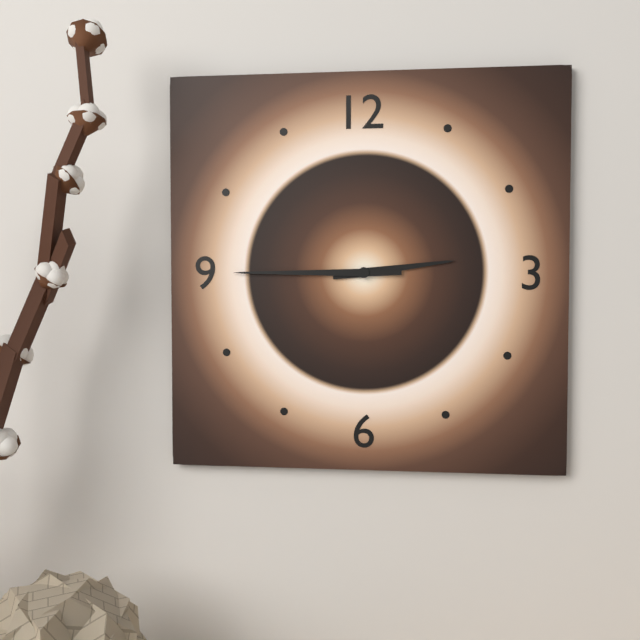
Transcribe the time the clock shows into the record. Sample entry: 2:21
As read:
2:45
